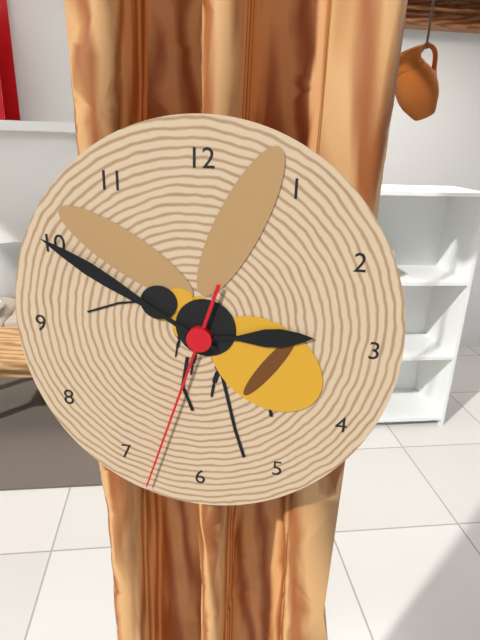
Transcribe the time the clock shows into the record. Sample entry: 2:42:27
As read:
2:50:33
